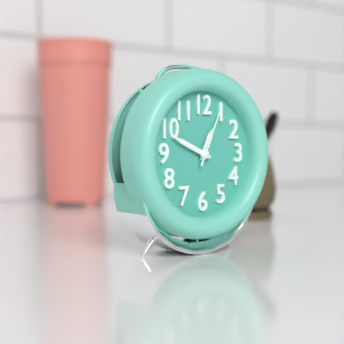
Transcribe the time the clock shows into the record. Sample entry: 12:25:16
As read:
12:49:04
